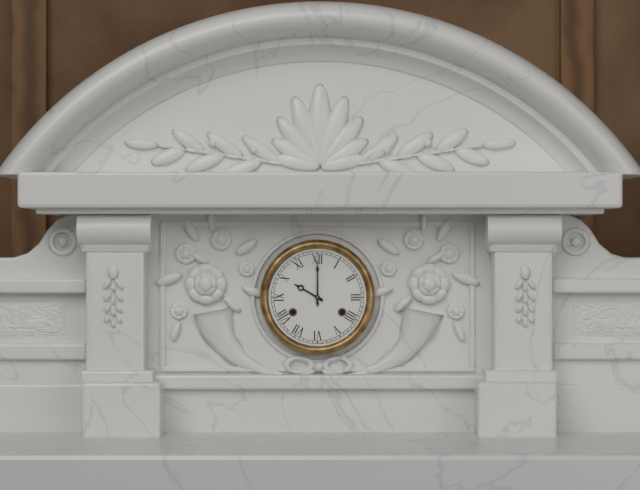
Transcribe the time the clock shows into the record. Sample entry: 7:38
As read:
10:00
